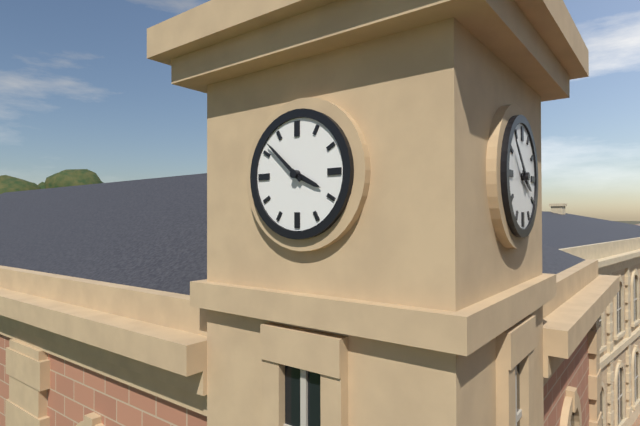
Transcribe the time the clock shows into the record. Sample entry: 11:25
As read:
3:52
